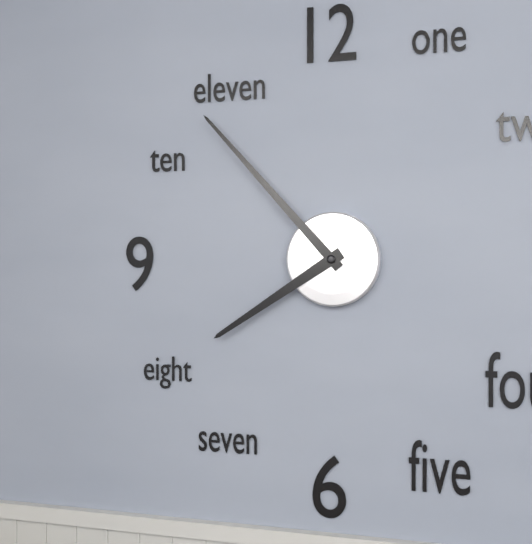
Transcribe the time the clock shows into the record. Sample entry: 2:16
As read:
7:53
